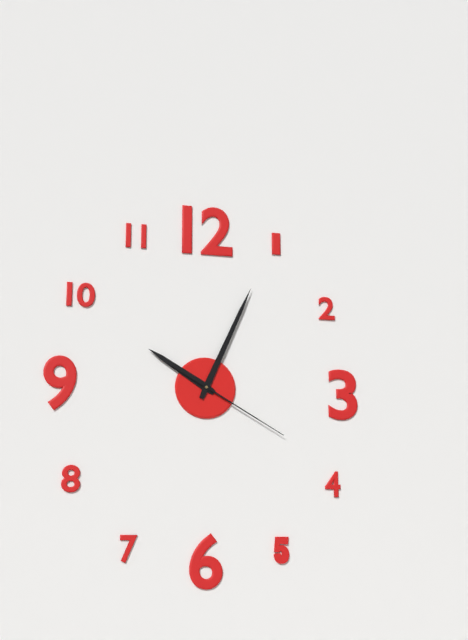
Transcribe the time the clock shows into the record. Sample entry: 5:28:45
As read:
10:04:20
